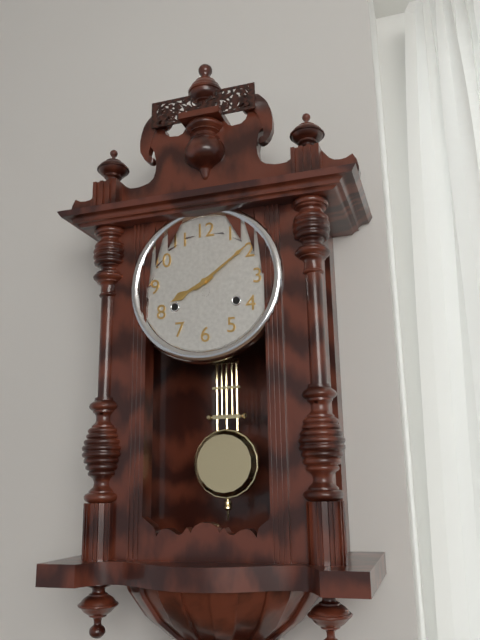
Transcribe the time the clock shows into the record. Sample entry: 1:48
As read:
8:09
